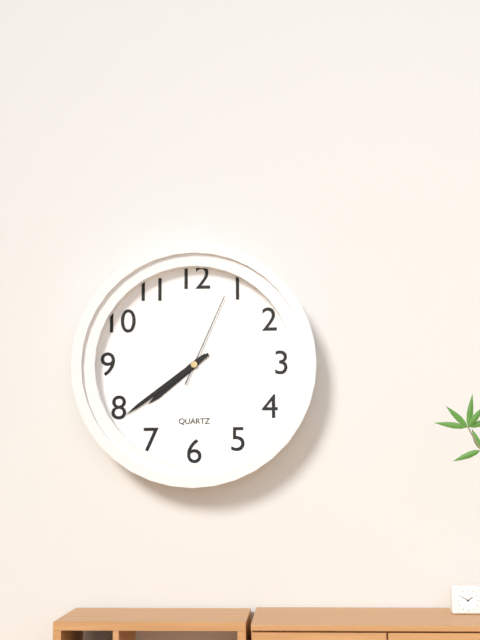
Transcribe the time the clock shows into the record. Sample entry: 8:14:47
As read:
7:39:04
